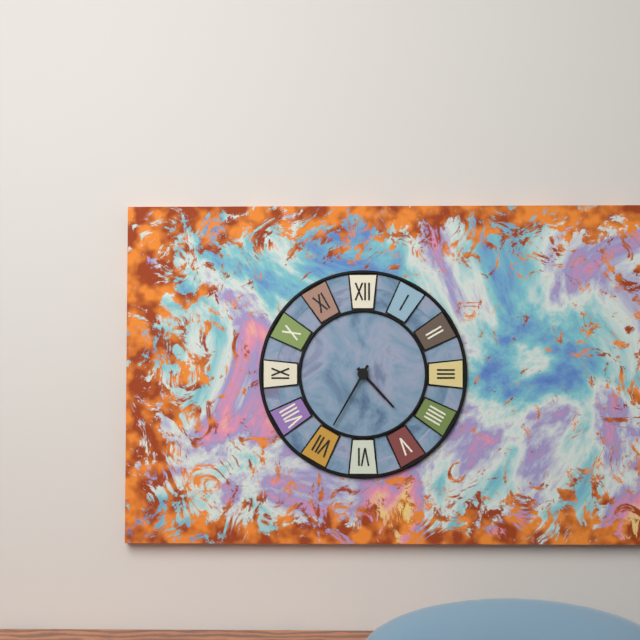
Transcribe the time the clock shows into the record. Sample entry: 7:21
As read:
4:35
